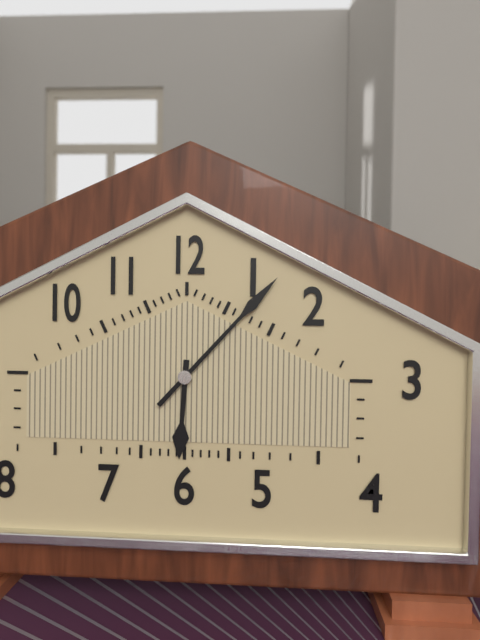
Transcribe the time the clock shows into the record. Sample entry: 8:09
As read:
6:07
